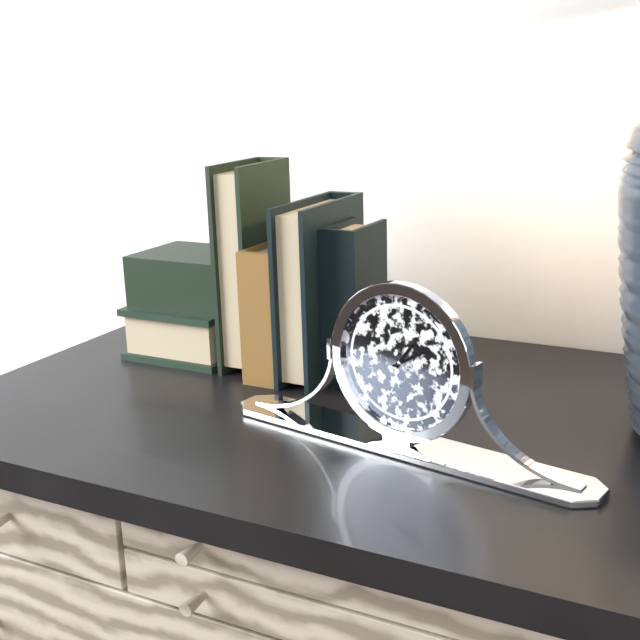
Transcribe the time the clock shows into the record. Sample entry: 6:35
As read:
1:10
